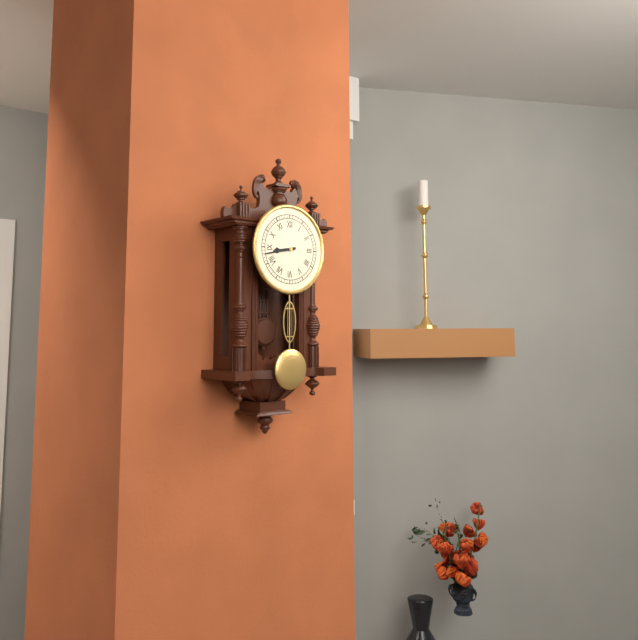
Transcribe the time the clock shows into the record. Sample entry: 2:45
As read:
8:43
